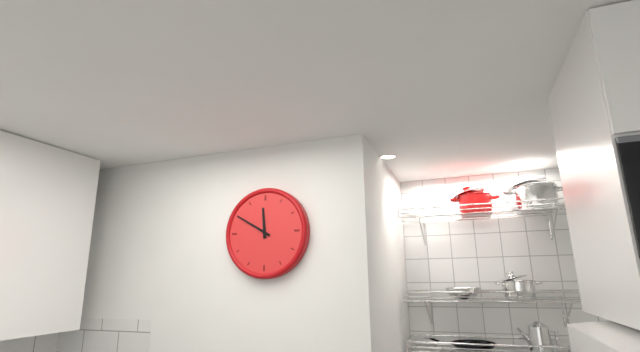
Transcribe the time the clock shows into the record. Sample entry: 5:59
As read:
11:50
